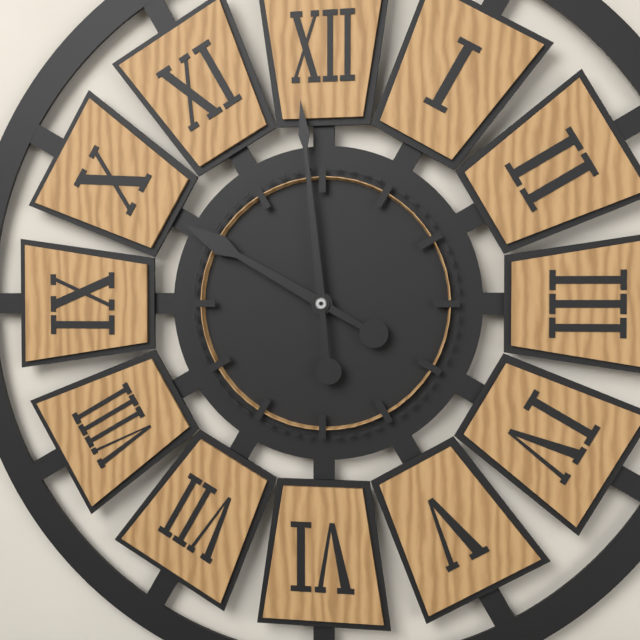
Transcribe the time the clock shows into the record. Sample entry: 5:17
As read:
9:59
